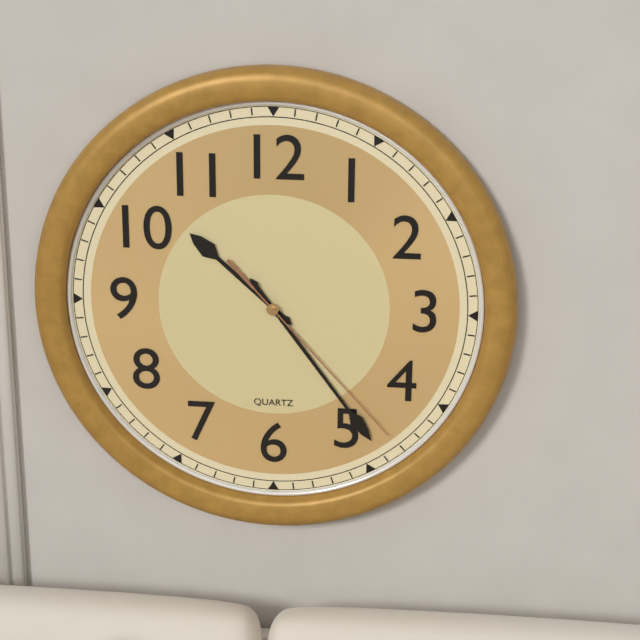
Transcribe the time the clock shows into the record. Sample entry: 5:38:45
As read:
10:24:23
